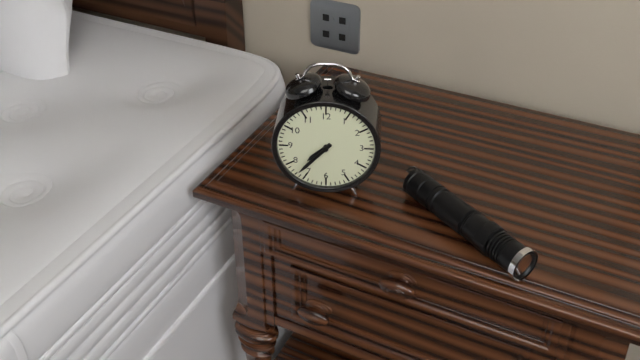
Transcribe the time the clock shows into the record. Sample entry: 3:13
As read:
7:37
